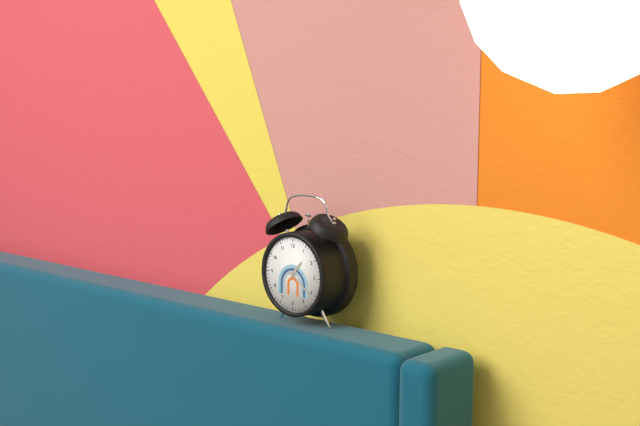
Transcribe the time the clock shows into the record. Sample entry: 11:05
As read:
1:21
